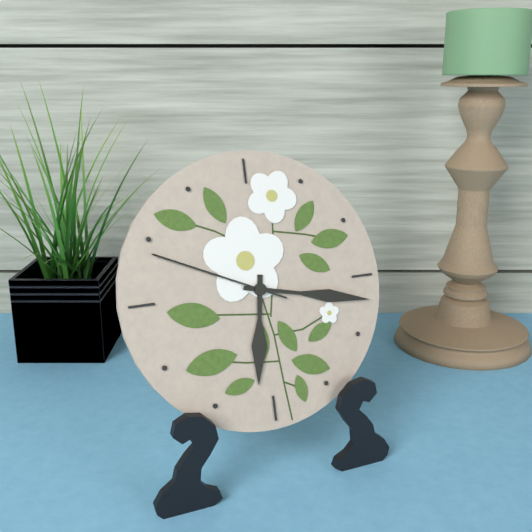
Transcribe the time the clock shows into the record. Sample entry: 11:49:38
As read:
6:17:49
